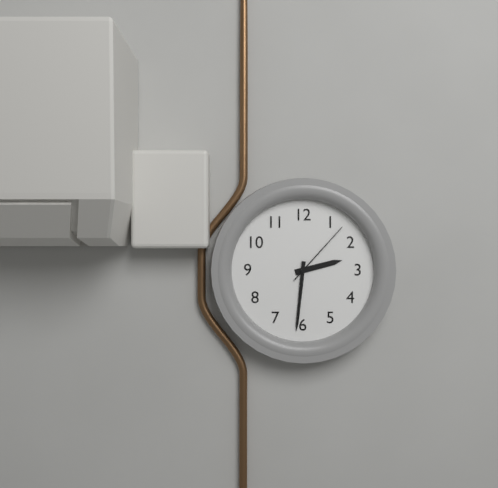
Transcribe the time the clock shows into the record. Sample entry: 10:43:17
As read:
2:31:07
